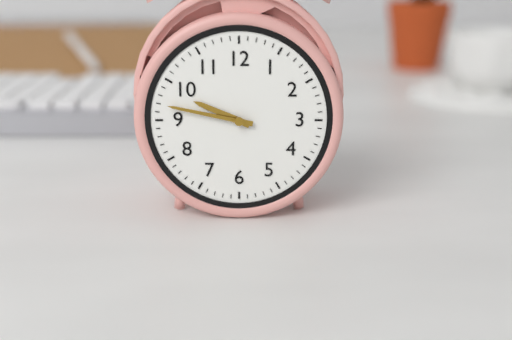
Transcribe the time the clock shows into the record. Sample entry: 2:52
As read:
9:47
